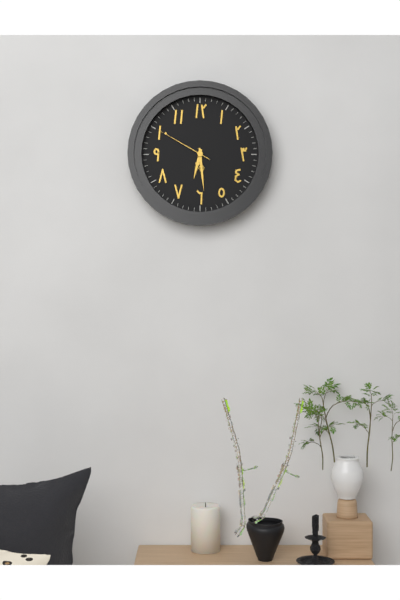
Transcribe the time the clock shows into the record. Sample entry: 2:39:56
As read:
6:29:50
